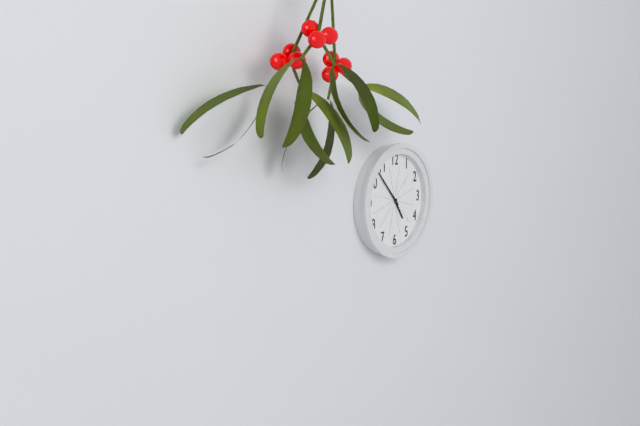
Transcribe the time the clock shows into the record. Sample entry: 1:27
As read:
4:53
